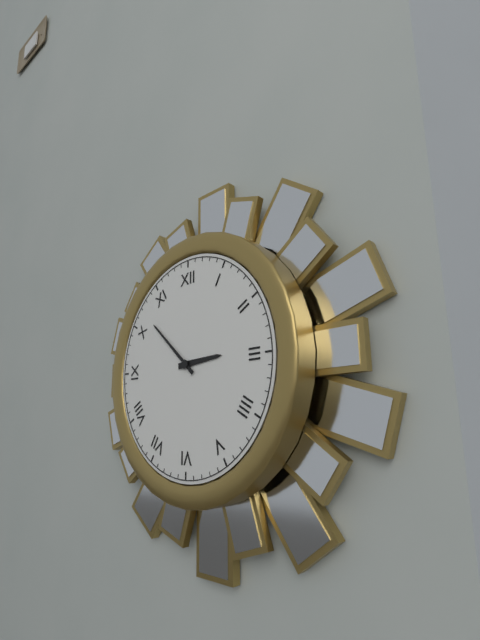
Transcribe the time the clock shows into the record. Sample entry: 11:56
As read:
2:52
